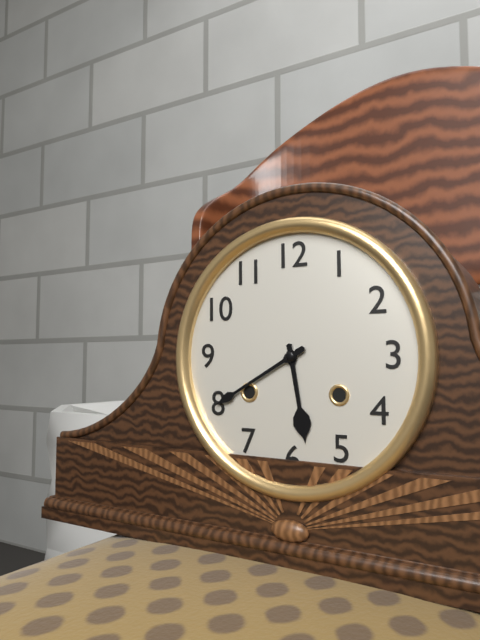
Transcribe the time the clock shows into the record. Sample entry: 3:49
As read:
5:40
